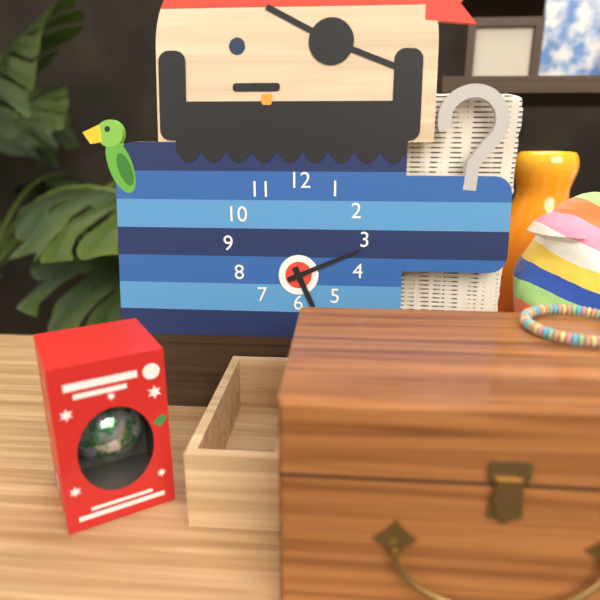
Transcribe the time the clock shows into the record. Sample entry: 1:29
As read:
5:11
